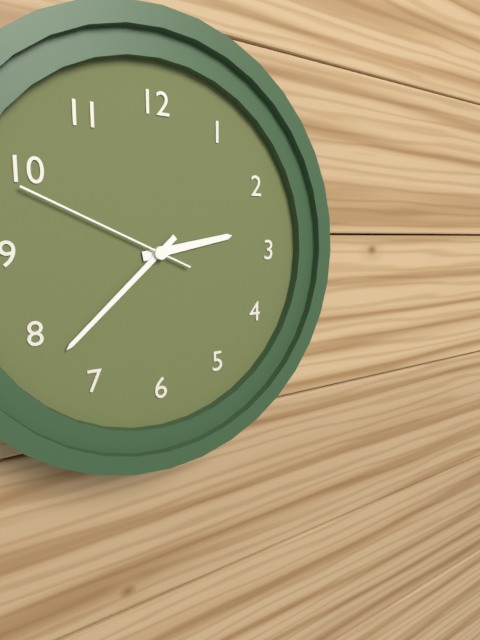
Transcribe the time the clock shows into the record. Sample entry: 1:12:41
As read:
2:38:49
